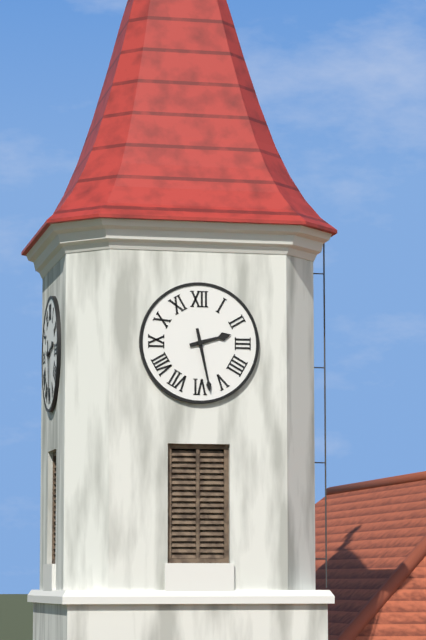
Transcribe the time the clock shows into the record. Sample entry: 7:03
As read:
2:28
